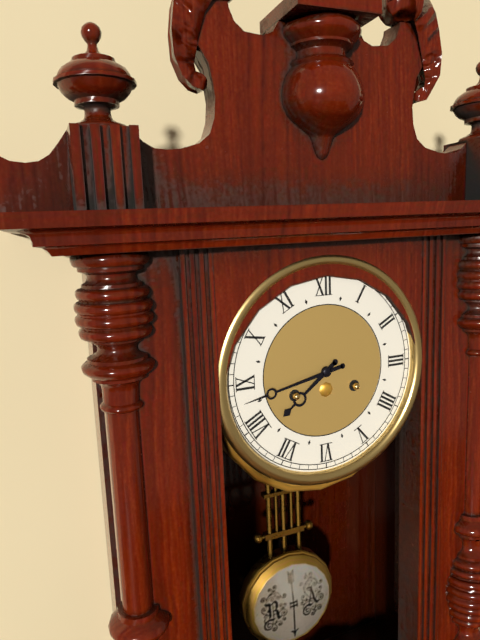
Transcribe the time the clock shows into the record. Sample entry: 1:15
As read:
7:43
